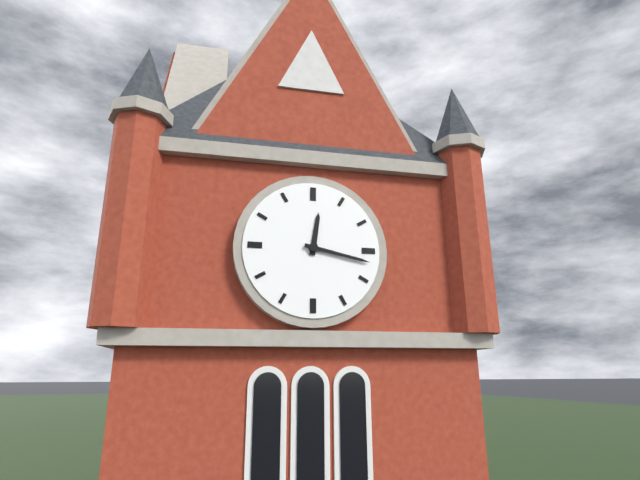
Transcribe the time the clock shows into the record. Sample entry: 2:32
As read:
12:17
